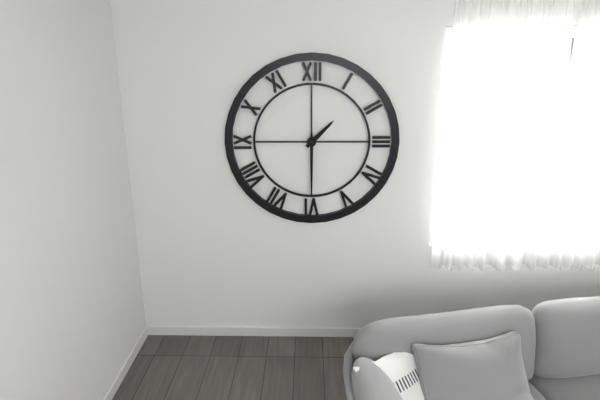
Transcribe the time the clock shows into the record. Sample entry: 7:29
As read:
1:30
